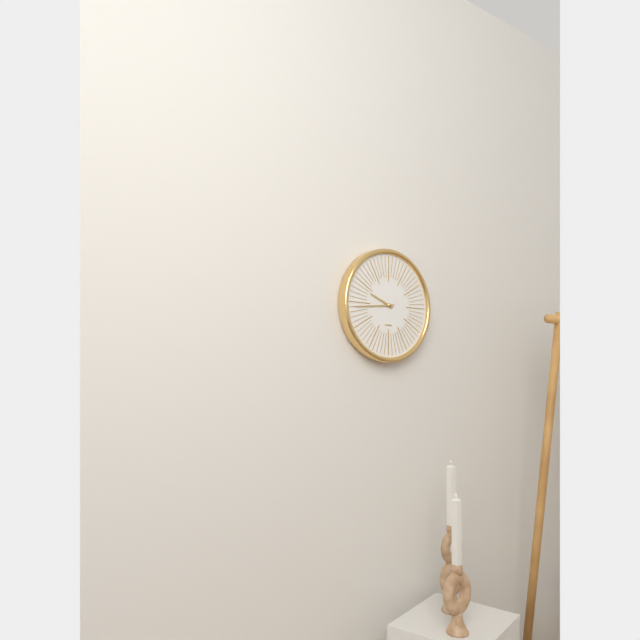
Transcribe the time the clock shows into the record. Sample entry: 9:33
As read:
9:44
